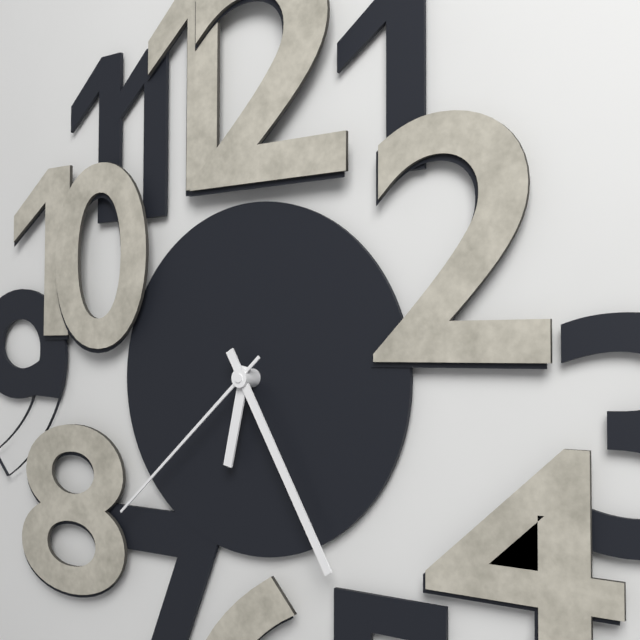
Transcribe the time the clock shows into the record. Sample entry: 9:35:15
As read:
6:25:38
